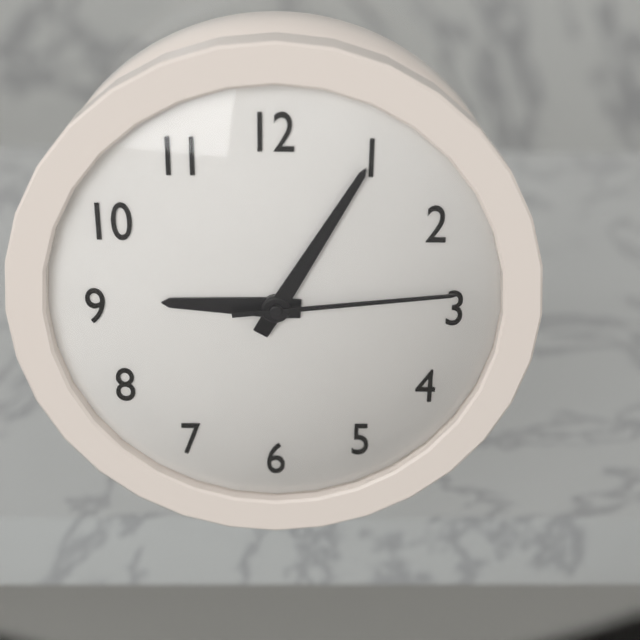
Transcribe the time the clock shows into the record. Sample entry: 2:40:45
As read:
9:05:14
